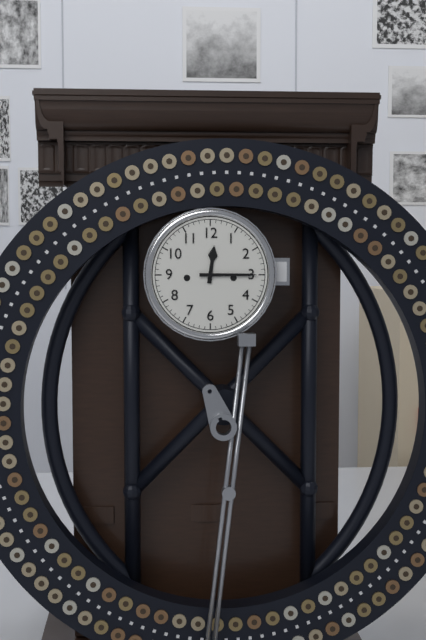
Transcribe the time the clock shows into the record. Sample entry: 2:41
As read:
12:15
